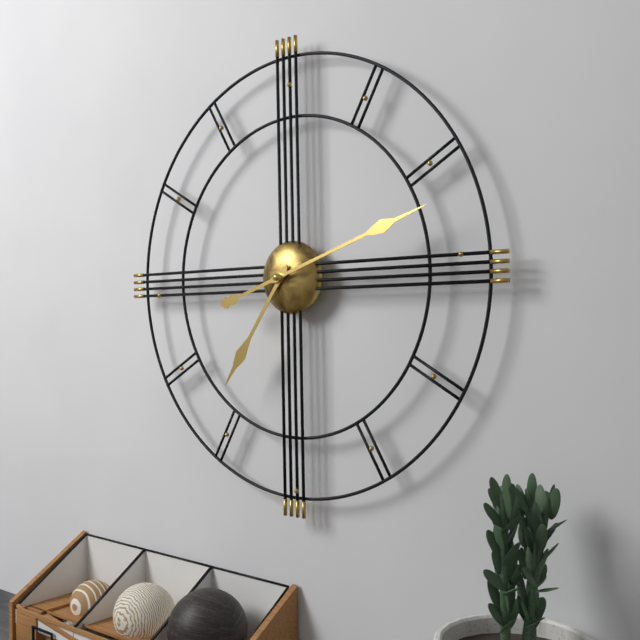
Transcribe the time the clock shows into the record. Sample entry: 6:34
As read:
7:12
